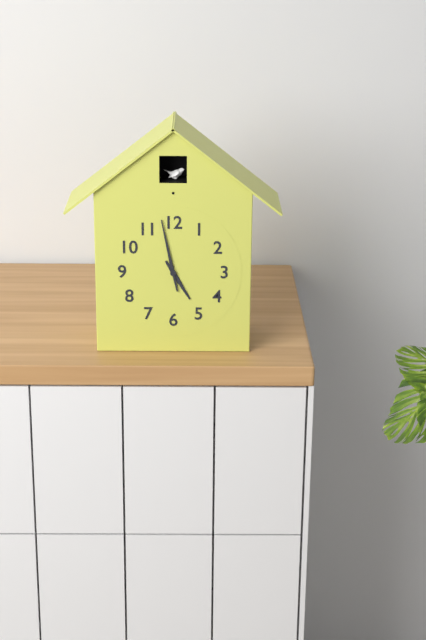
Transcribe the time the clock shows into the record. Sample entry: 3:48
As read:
4:58
